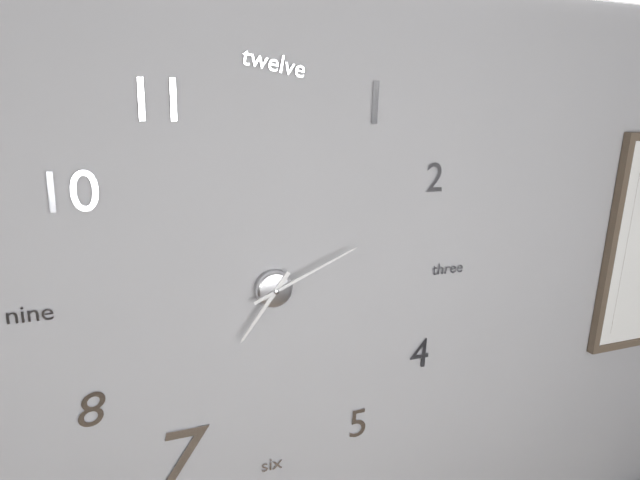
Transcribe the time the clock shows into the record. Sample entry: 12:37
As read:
7:11
